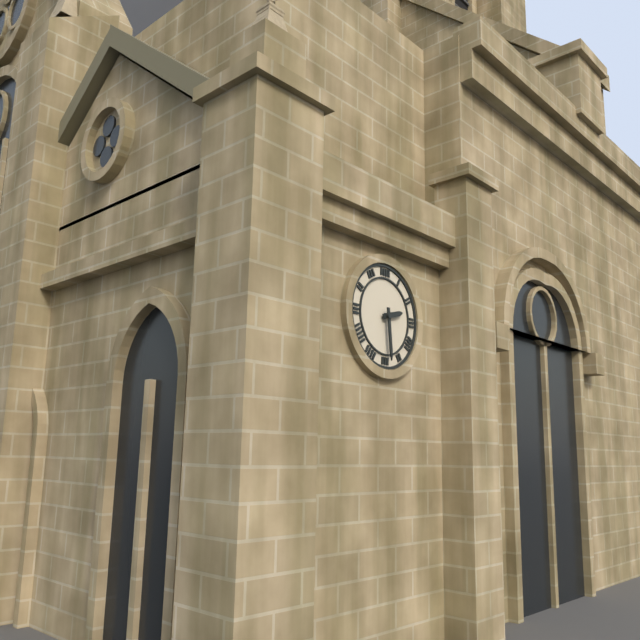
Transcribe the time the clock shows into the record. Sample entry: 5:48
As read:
2:29
